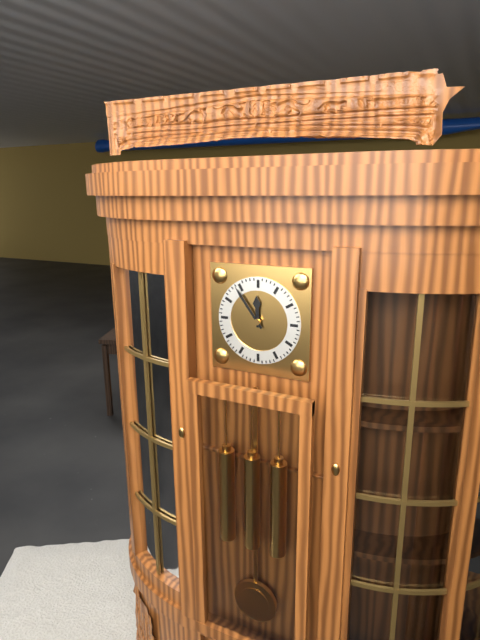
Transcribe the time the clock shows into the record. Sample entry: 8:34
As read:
11:54
